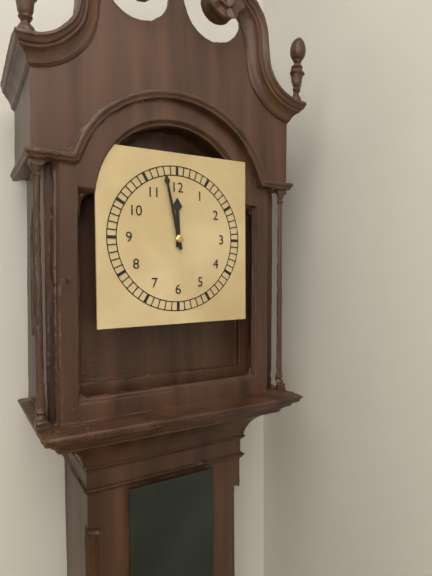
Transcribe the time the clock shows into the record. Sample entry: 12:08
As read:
11:58
